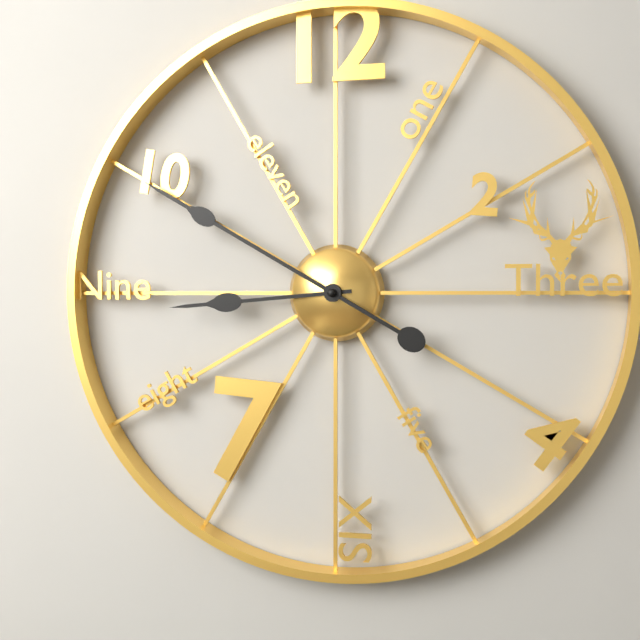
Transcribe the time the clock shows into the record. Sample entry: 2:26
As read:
8:50
